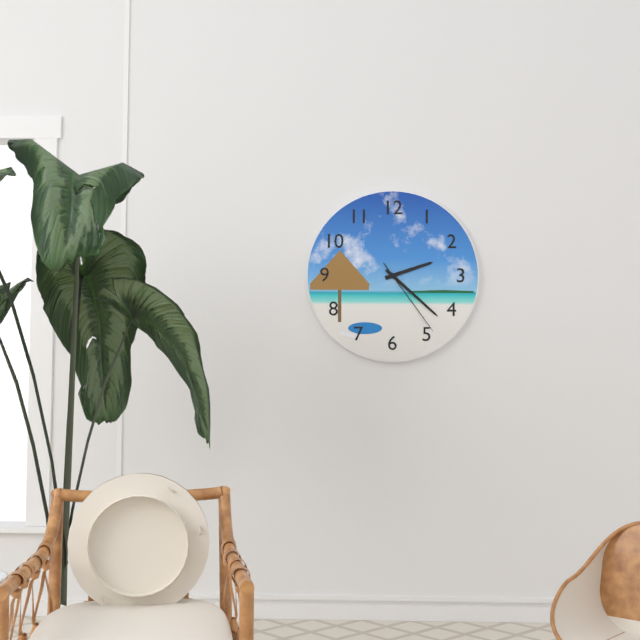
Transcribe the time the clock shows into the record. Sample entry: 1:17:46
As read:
2:22:24
